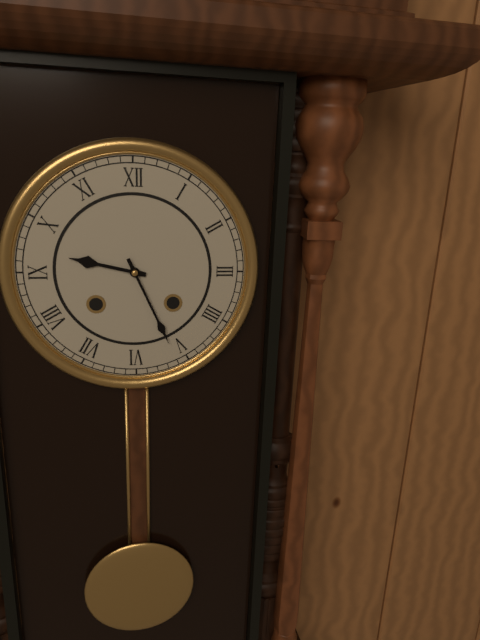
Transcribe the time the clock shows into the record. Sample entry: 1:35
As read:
9:26
